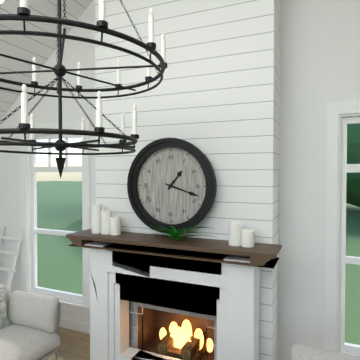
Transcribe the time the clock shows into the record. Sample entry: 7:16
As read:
1:18
